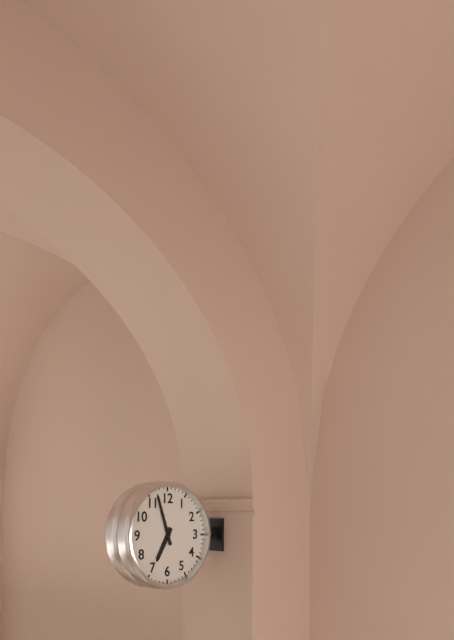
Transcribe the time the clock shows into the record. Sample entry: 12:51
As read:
6:57
